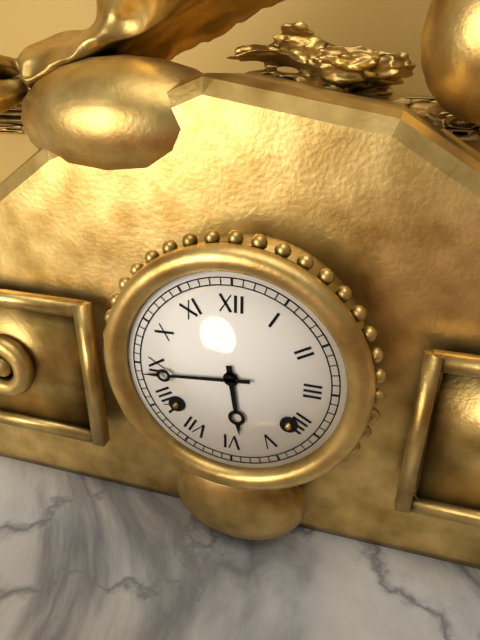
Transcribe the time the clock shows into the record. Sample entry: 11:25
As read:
5:44
